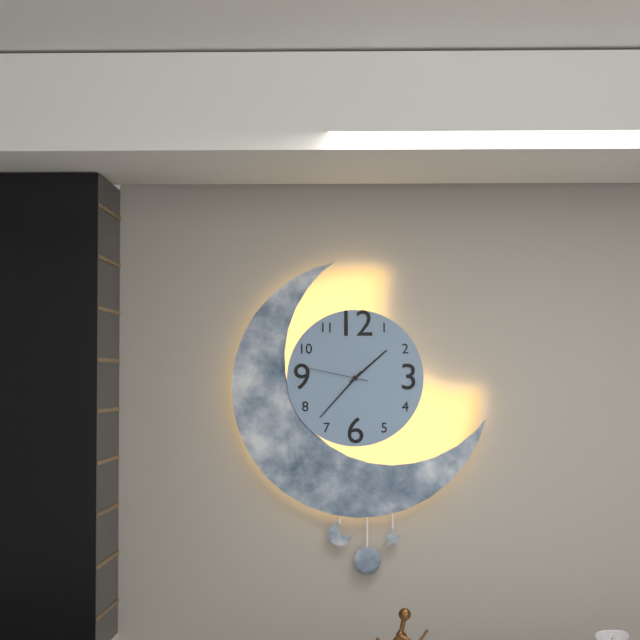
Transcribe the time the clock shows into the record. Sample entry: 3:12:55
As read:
1:37:47
